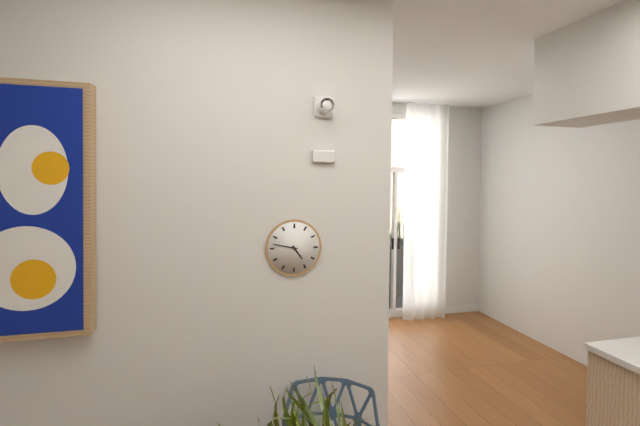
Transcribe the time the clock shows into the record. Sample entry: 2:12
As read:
4:47
